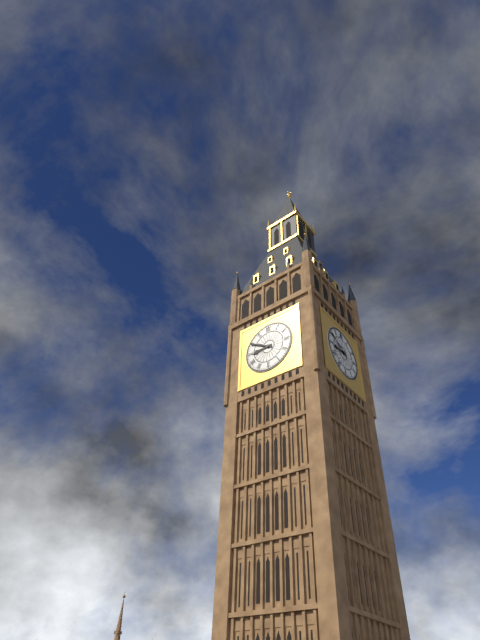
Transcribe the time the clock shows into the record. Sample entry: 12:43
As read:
8:50
